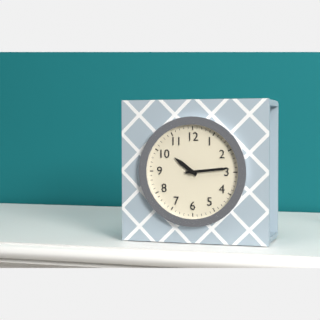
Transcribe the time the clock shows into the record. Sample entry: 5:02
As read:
10:14
